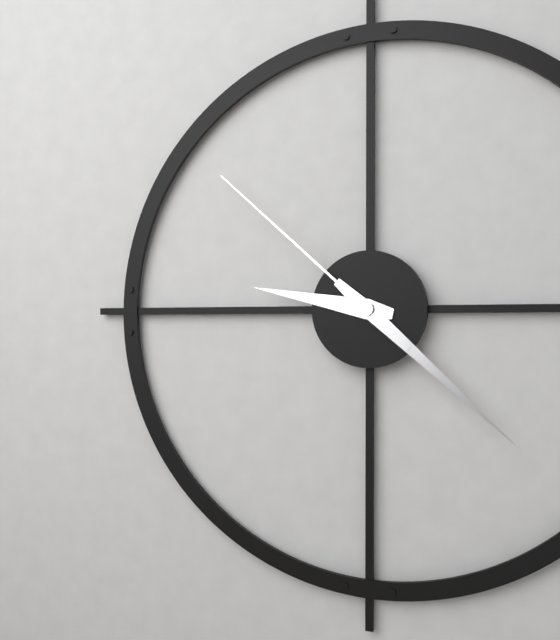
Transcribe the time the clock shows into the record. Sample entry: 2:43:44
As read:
9:22:52
